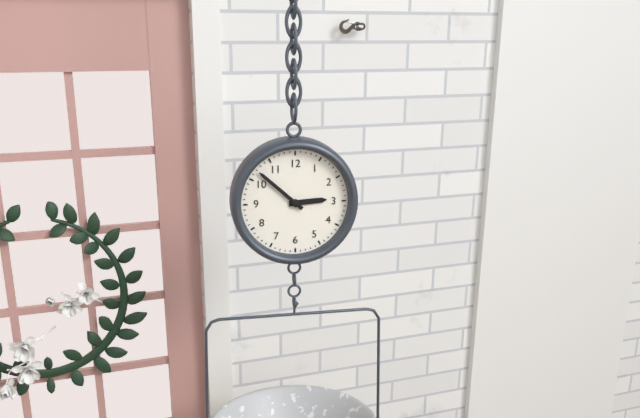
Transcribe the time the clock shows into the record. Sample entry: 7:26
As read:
2:52
